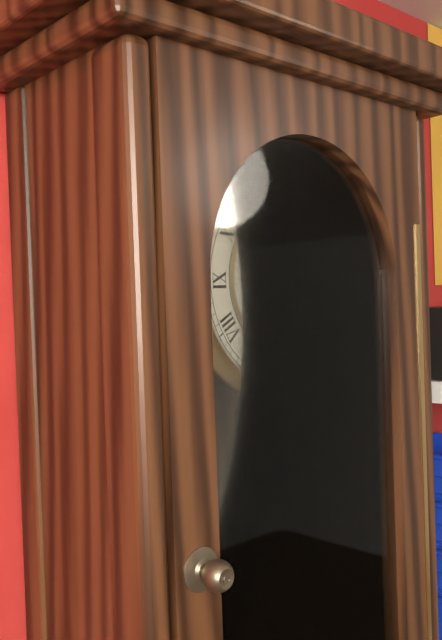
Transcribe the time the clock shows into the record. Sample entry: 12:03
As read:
1:36
